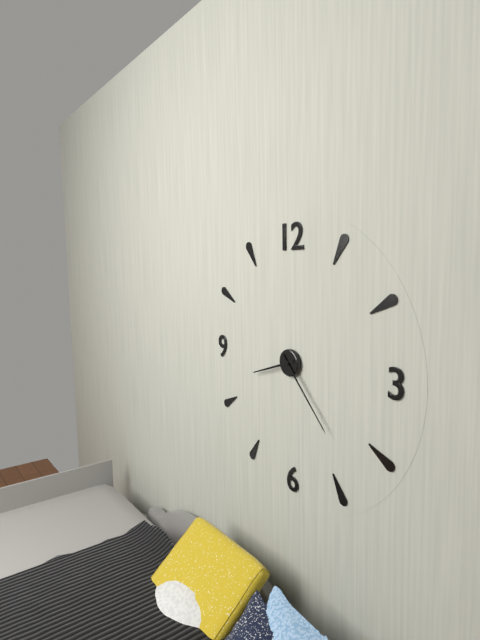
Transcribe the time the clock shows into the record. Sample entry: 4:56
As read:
8:23
